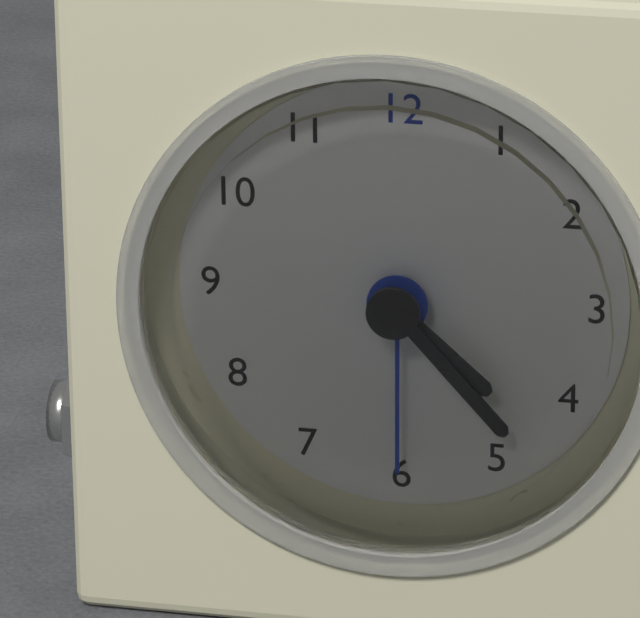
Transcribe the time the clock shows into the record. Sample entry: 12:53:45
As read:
4:23:30
